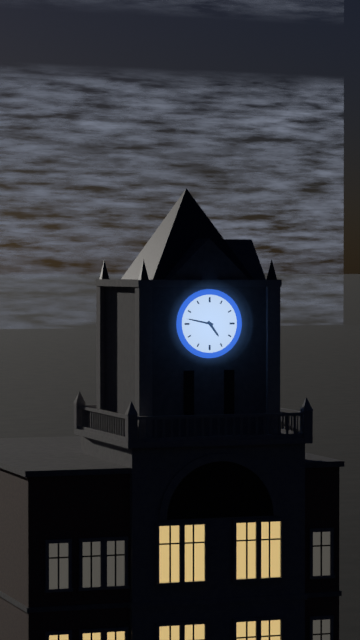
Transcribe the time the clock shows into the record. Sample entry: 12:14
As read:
4:47
